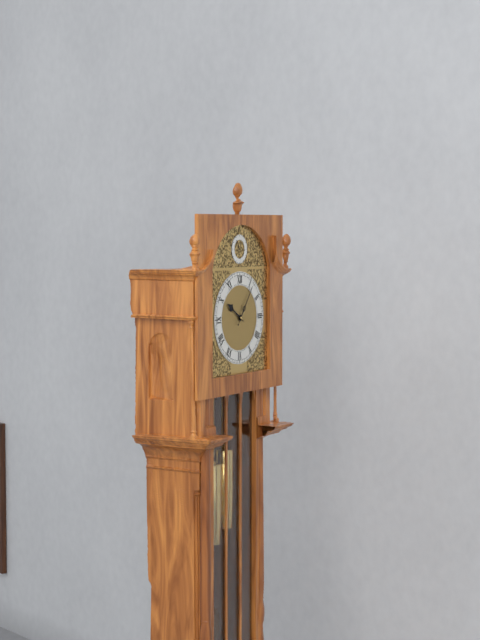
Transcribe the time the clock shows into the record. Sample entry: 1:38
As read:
10:06
